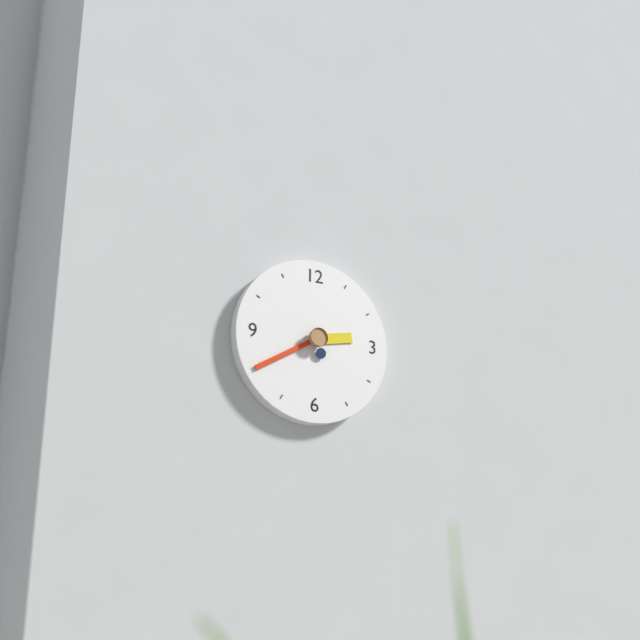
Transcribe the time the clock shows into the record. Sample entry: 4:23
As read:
2:40
